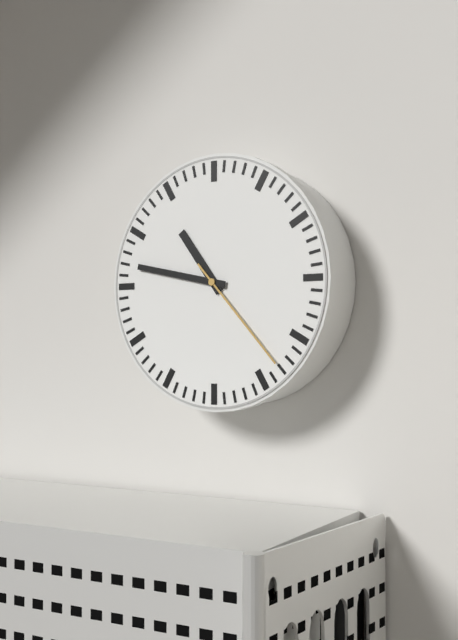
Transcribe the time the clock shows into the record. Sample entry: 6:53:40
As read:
10:47:23
